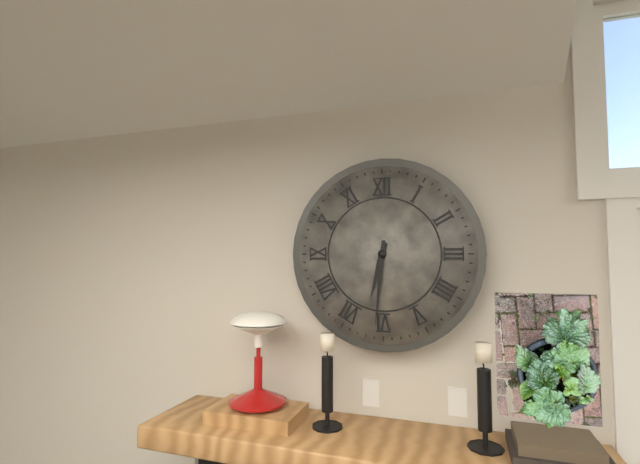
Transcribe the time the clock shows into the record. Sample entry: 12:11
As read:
6:31
